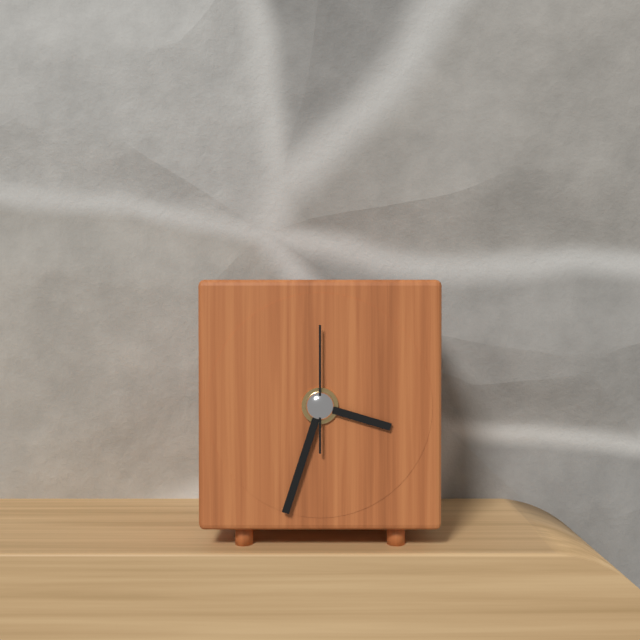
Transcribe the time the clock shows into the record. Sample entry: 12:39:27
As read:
3:33:00
